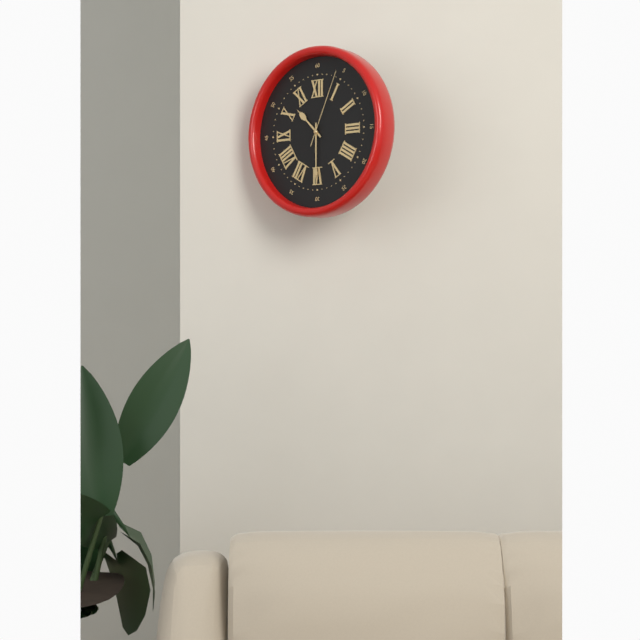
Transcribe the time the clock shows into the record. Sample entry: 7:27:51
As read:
10:30:04
